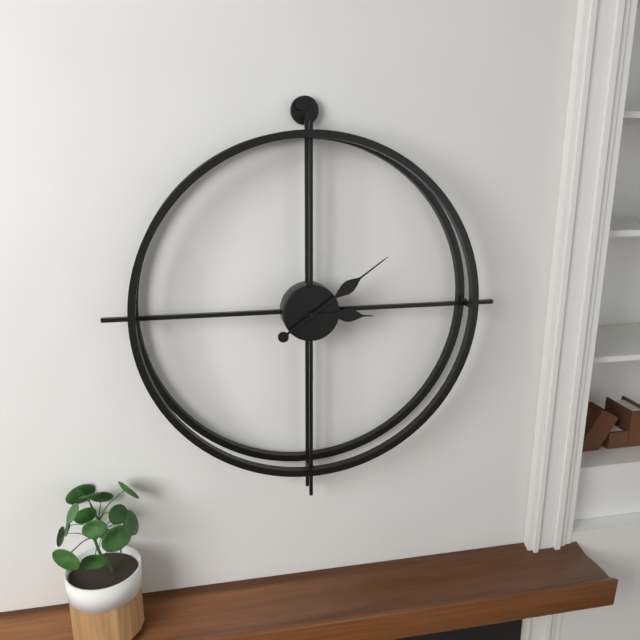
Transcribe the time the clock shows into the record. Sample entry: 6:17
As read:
3:09
